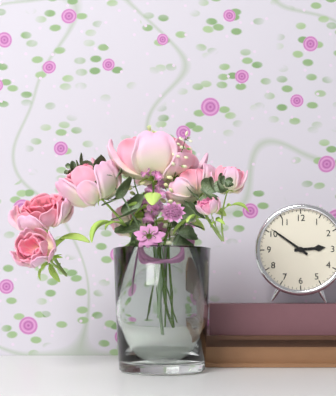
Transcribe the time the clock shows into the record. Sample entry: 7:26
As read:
2:51
